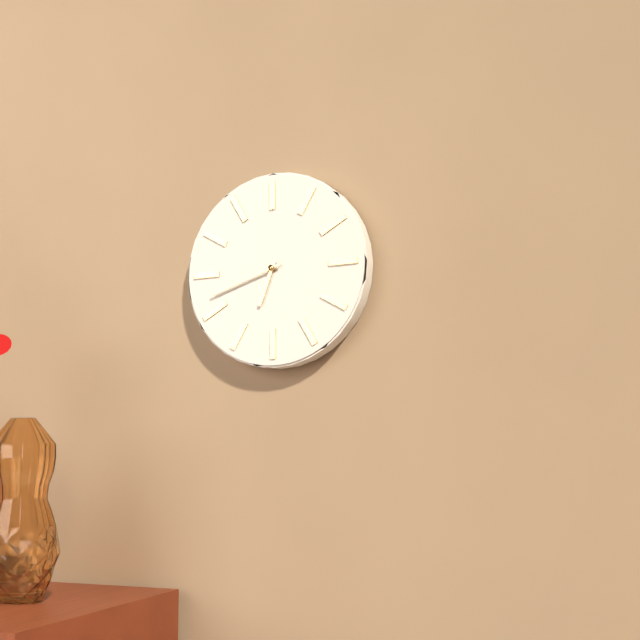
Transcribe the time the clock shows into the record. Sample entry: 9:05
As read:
6:42
